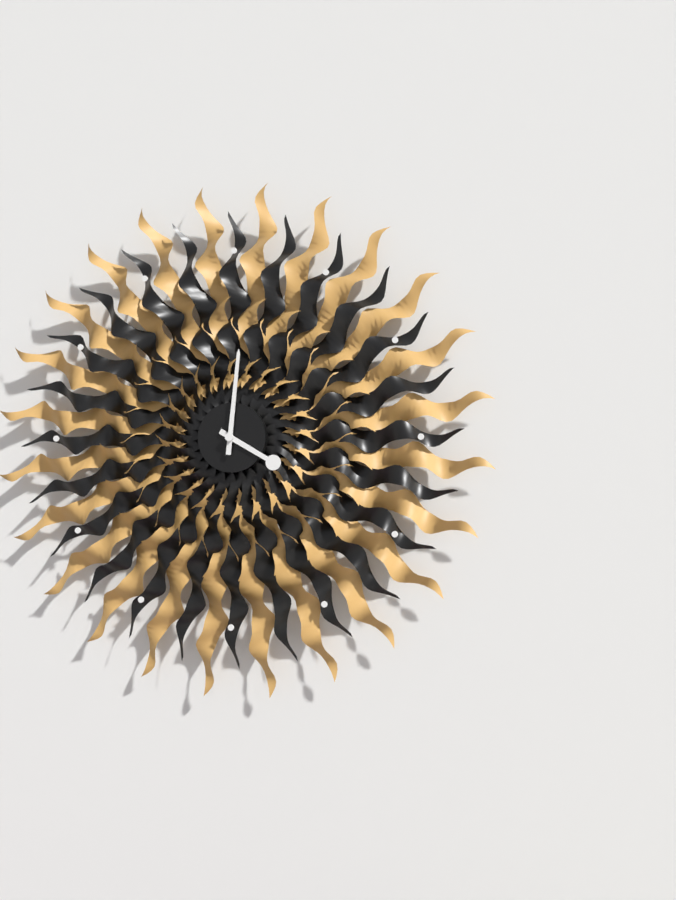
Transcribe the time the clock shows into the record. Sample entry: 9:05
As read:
4:01
